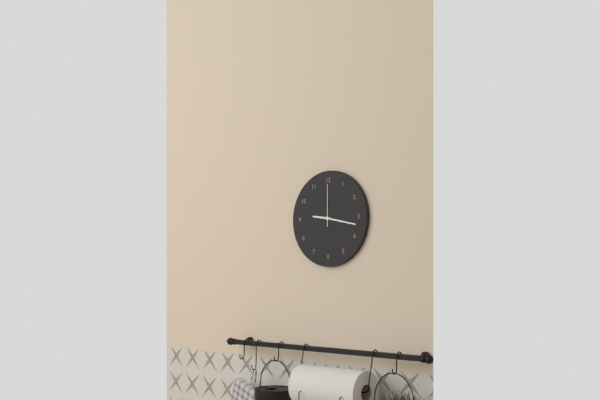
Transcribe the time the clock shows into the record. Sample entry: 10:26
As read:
9:17
